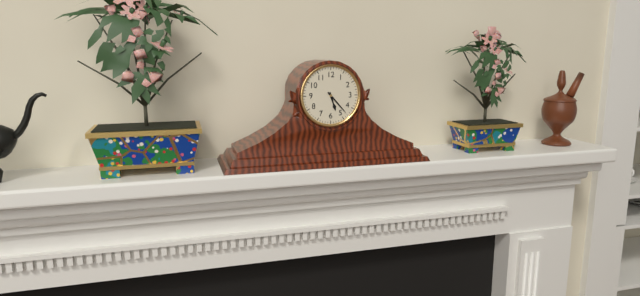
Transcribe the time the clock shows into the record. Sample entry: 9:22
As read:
5:23
